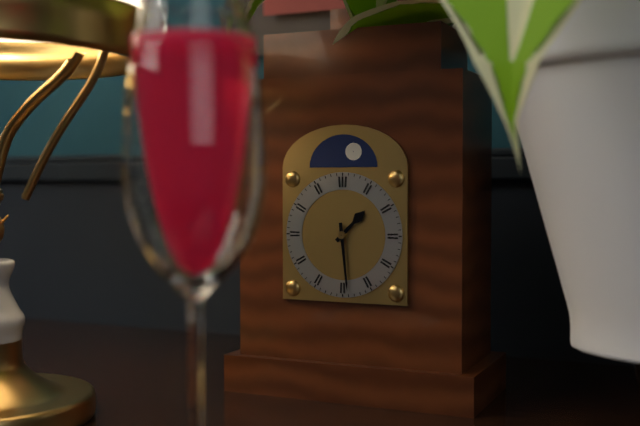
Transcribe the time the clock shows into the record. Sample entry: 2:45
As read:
1:29
